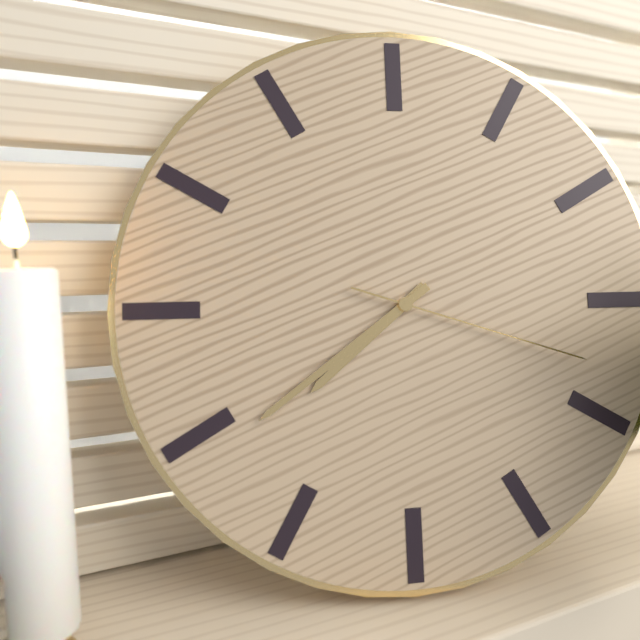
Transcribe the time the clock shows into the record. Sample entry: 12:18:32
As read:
7:39:18
